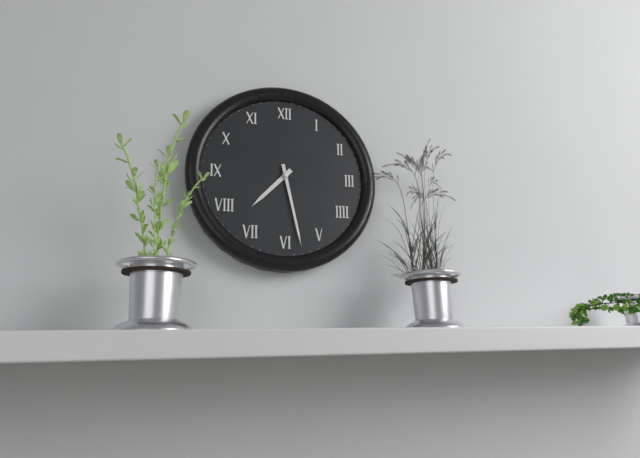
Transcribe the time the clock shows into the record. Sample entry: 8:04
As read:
7:28
